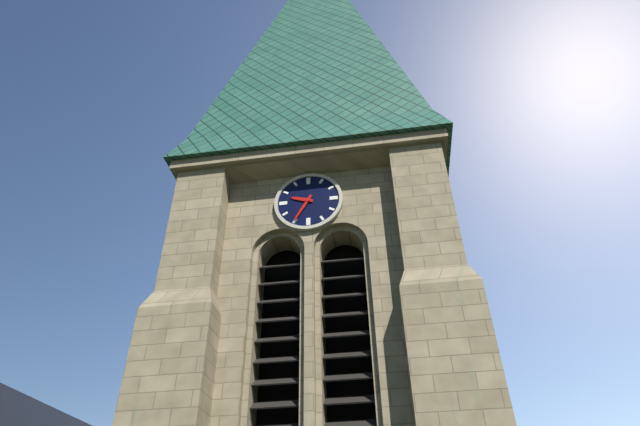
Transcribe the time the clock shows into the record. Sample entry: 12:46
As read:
9:35
